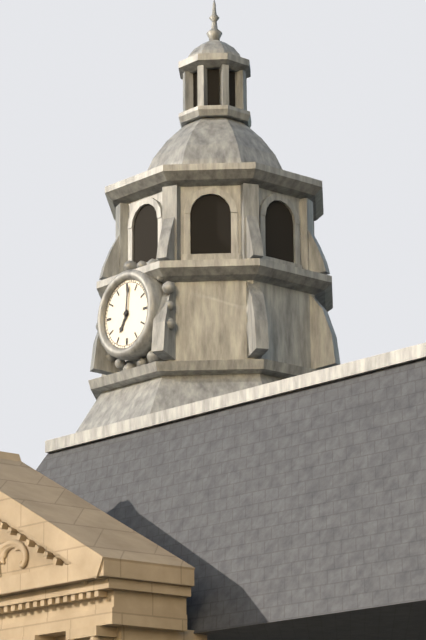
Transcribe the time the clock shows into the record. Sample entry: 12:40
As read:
7:01
